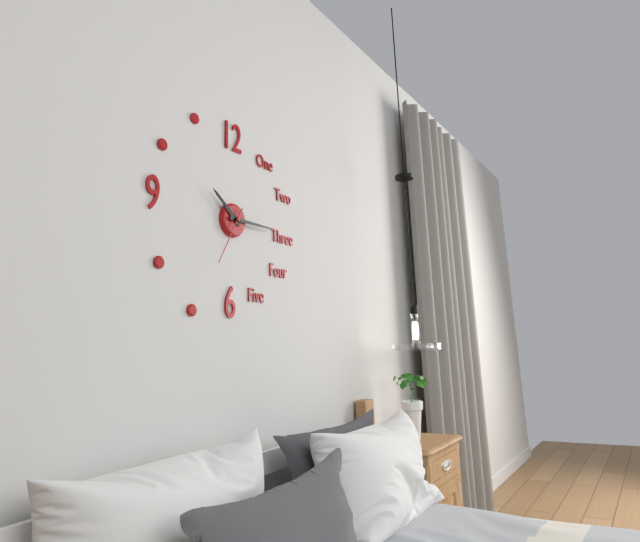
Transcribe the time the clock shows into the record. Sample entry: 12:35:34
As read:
10:15:35
